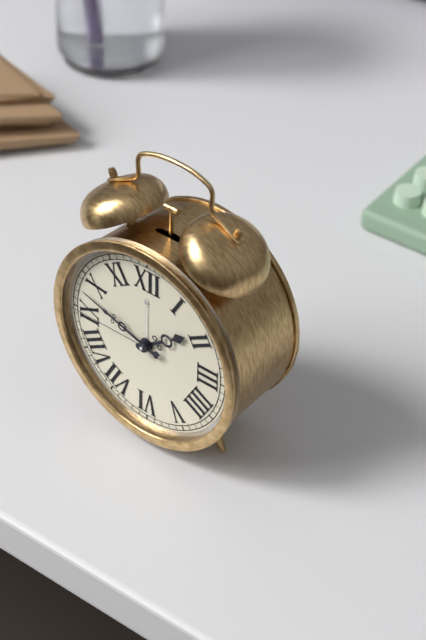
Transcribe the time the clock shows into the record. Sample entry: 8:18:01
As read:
1:48:45
